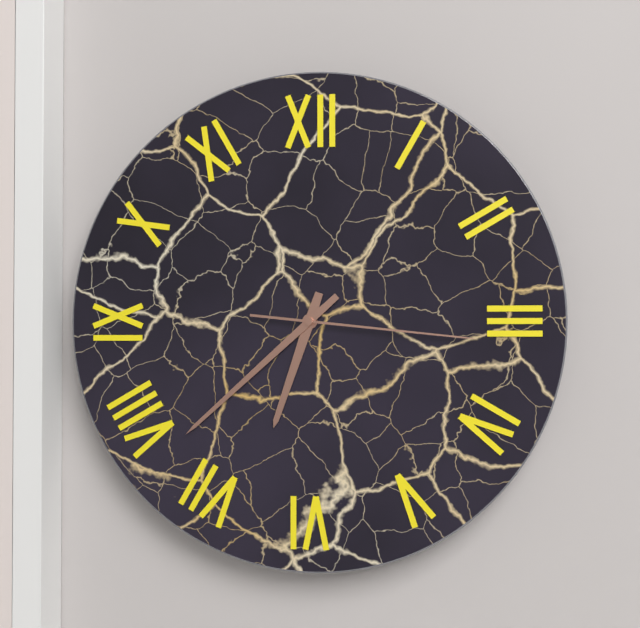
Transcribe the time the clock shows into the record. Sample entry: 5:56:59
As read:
6:38:16
